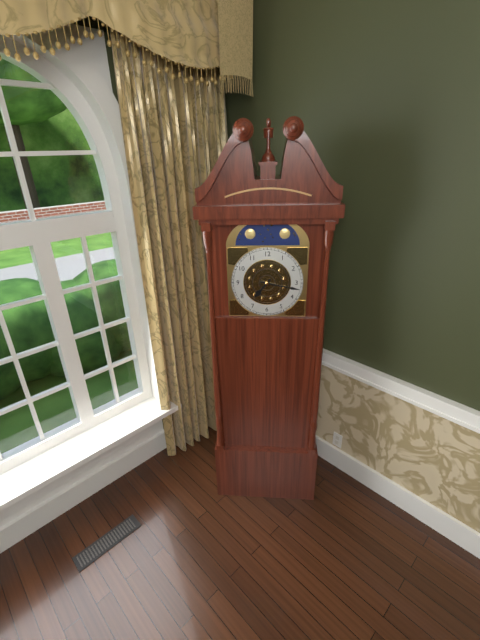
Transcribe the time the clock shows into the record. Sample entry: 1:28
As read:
7:17
